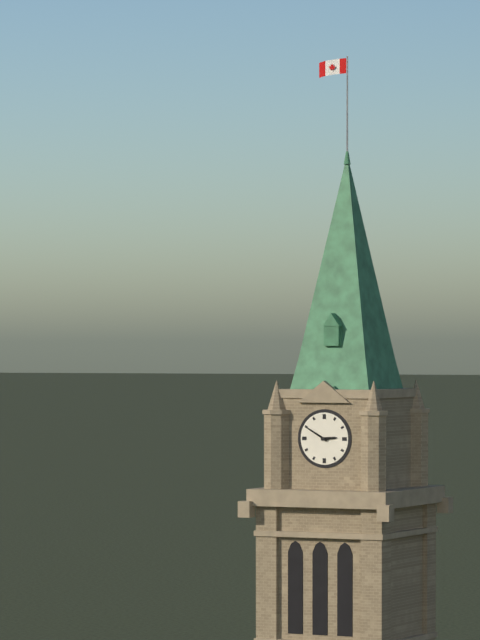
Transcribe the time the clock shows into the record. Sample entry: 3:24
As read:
2:50
